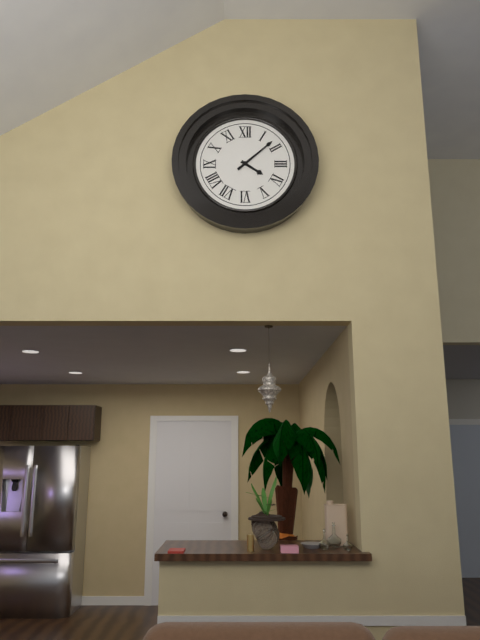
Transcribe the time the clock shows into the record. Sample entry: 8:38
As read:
4:08
